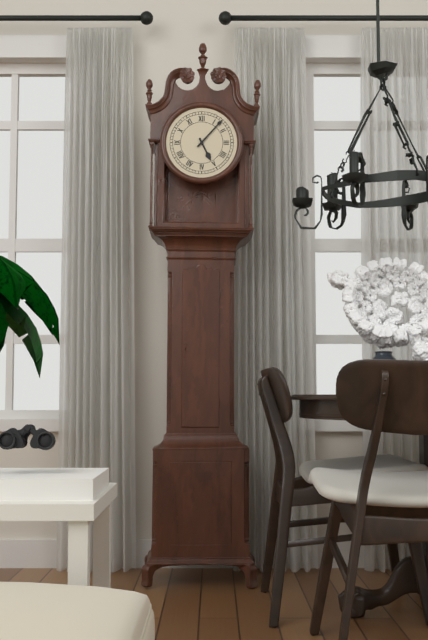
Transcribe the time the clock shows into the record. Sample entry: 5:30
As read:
5:07
